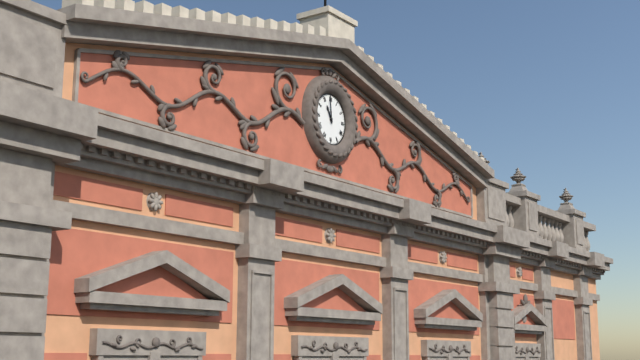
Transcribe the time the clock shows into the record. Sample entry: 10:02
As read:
10:59
